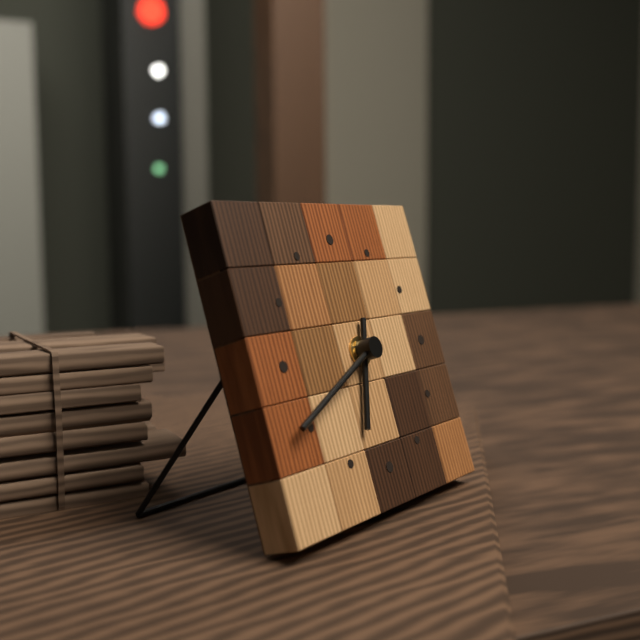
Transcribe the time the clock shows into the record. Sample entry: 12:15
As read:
6:41
